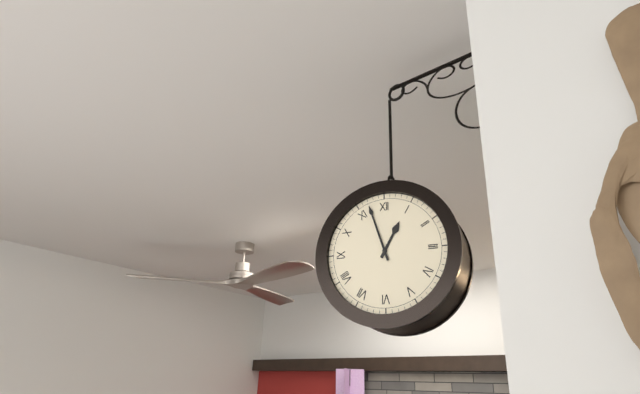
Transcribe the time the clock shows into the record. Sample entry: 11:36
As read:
12:57
